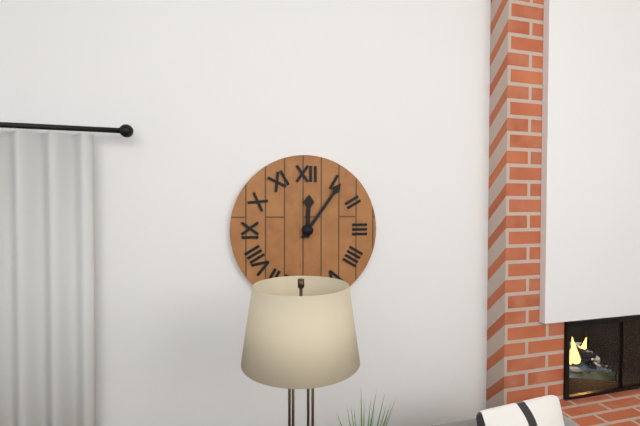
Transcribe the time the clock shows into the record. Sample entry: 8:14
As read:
12:06
